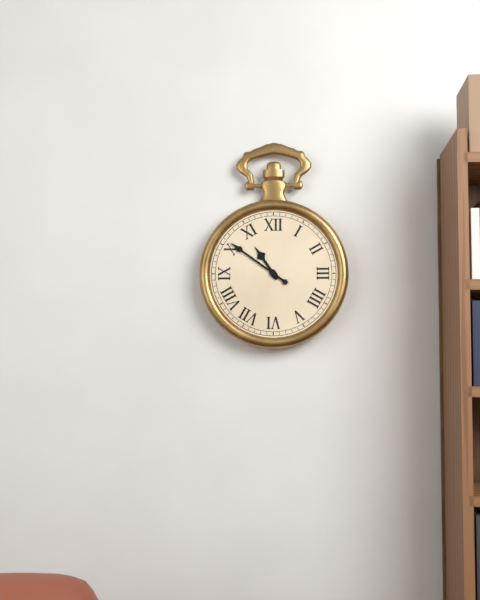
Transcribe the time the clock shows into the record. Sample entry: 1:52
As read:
10:51
